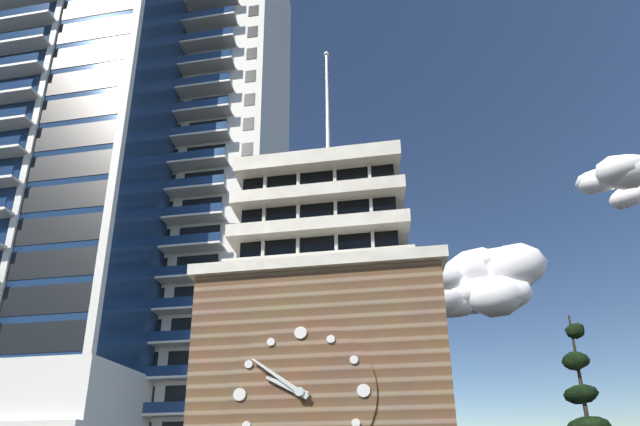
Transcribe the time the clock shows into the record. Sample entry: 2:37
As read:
9:51
